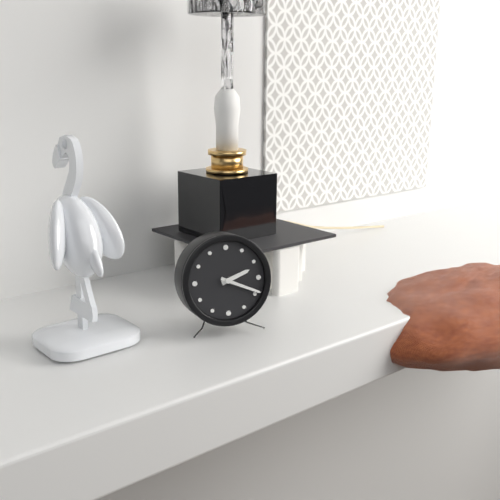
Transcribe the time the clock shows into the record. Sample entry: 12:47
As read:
2:19
